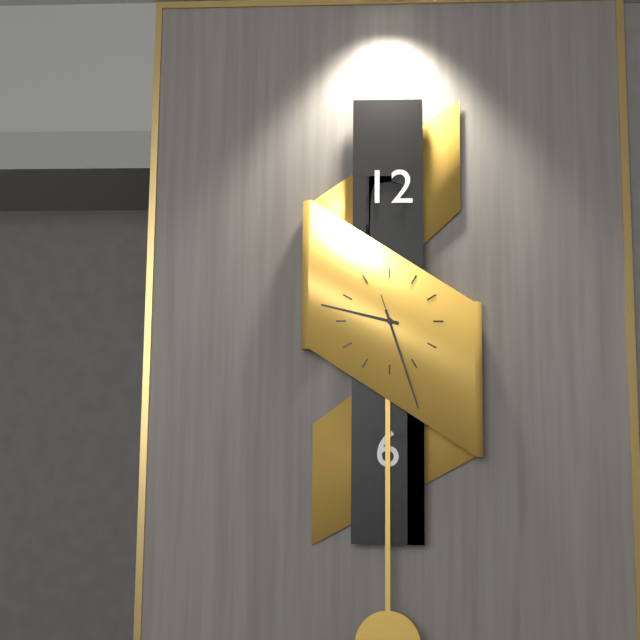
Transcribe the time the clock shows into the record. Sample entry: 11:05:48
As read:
9:27:27
